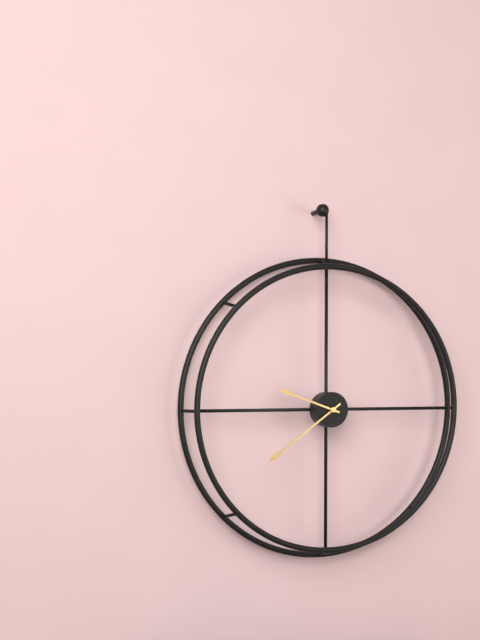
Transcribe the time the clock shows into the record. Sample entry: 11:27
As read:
9:39
